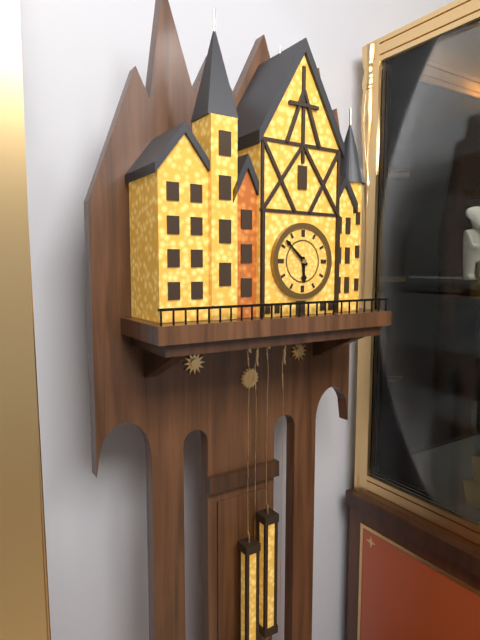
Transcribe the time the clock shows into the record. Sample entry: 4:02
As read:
5:52
